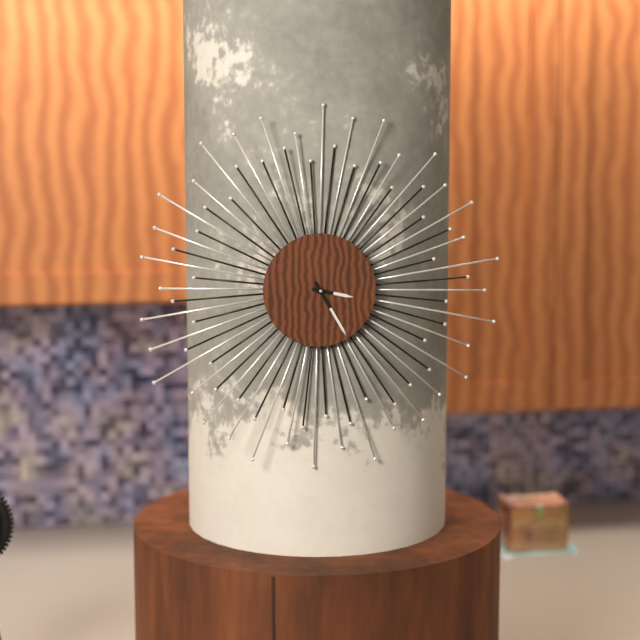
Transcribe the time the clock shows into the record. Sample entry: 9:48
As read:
3:25
